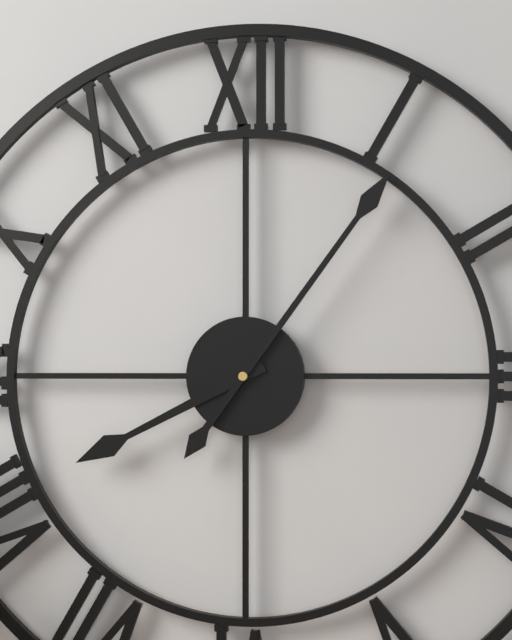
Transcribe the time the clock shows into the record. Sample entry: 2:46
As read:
8:06
